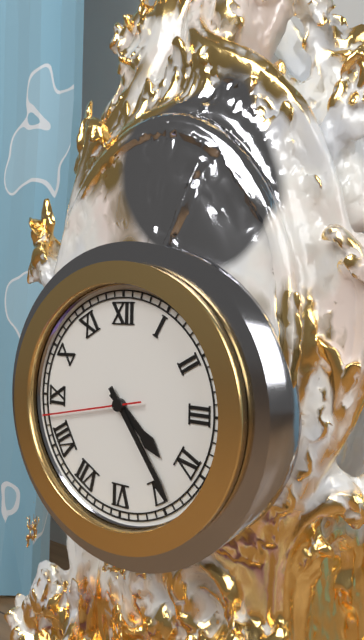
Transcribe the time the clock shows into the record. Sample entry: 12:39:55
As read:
4:24:43
